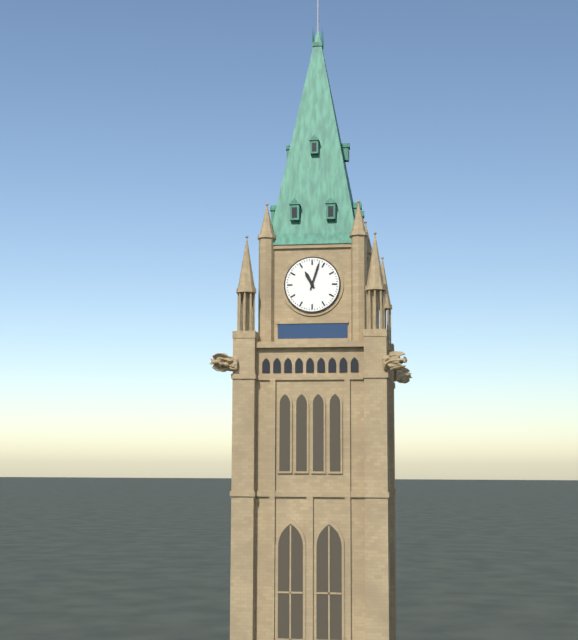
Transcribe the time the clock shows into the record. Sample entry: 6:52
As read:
11:03
